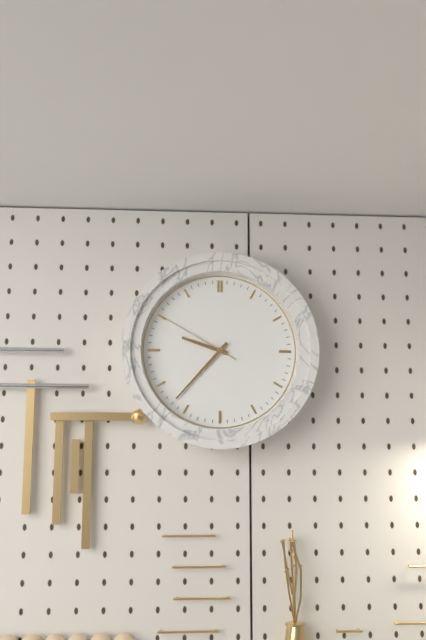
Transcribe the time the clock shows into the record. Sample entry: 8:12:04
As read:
9:37:50
